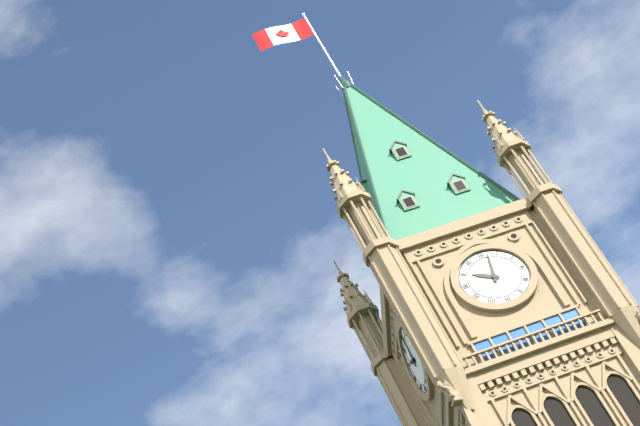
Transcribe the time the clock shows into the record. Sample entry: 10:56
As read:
10:02
